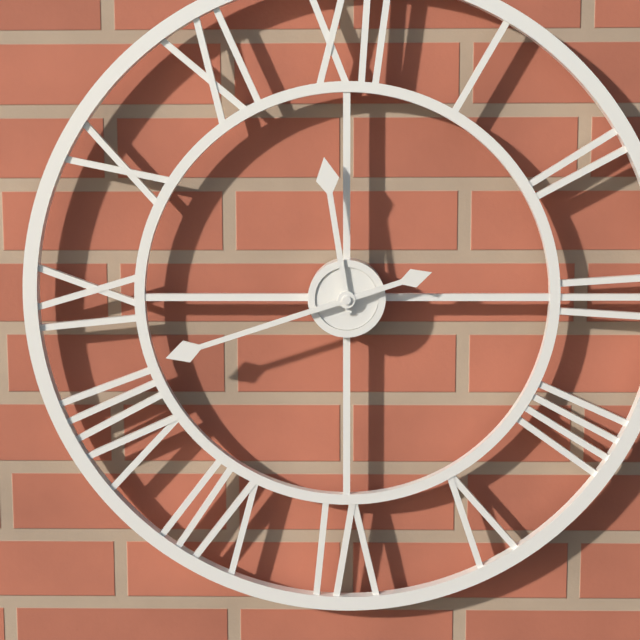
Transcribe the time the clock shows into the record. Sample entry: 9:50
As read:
11:42
